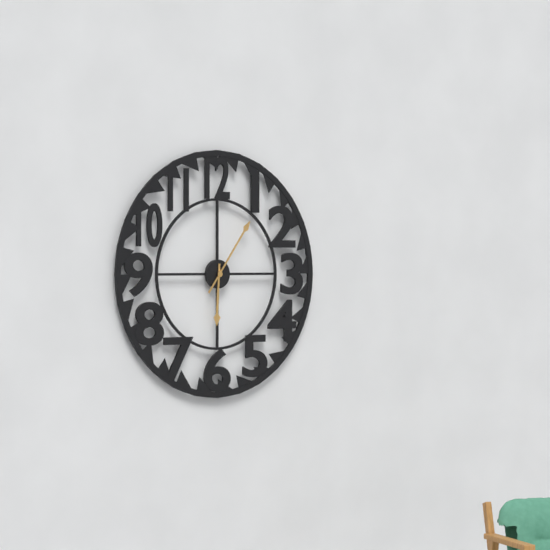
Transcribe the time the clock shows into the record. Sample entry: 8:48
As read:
6:06
